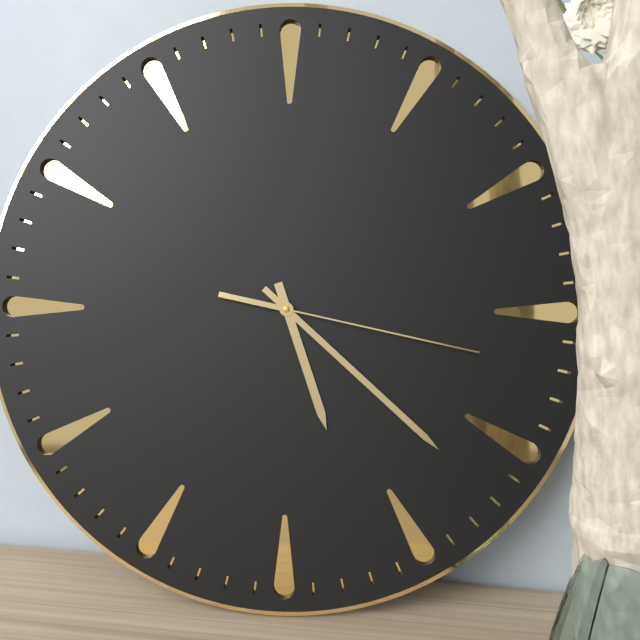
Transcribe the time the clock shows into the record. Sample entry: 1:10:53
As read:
5:22:17
